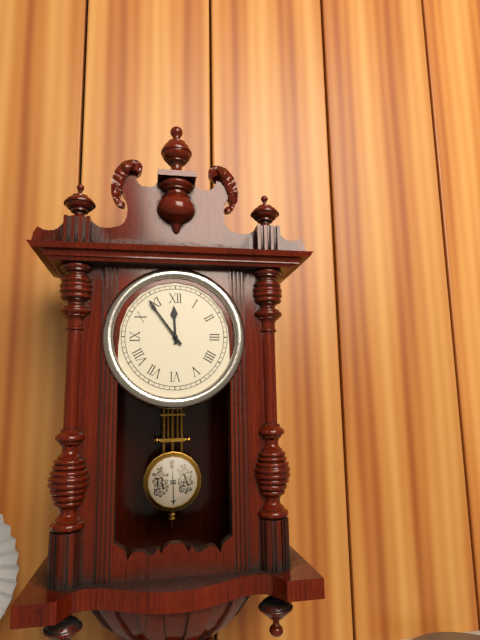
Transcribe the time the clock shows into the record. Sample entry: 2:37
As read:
11:54
